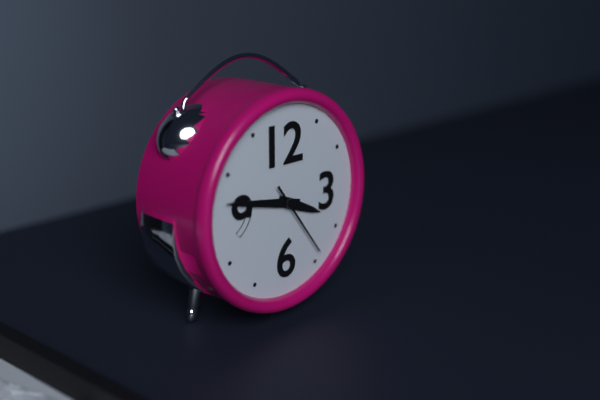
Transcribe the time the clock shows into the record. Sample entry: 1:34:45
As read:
3:47:24
